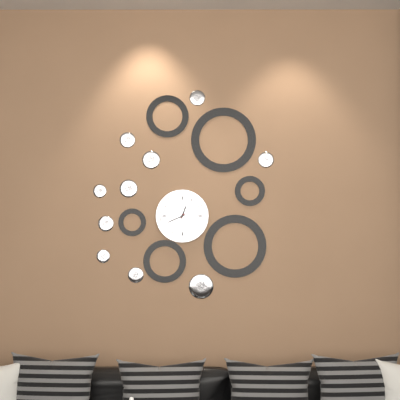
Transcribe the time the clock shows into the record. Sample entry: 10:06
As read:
12:41
